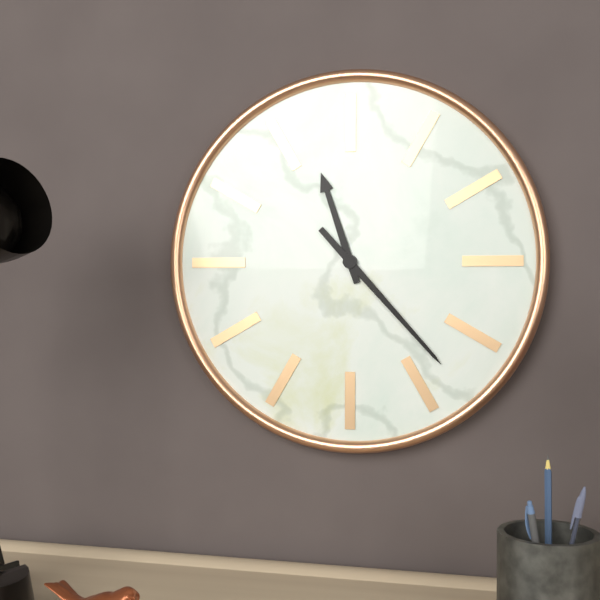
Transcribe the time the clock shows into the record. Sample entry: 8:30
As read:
11:23
